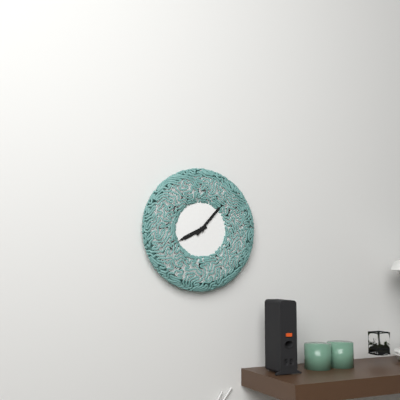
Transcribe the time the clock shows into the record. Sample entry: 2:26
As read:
8:07
